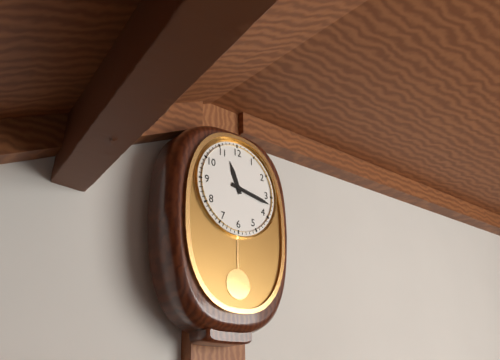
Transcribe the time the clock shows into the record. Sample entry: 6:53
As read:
11:17
